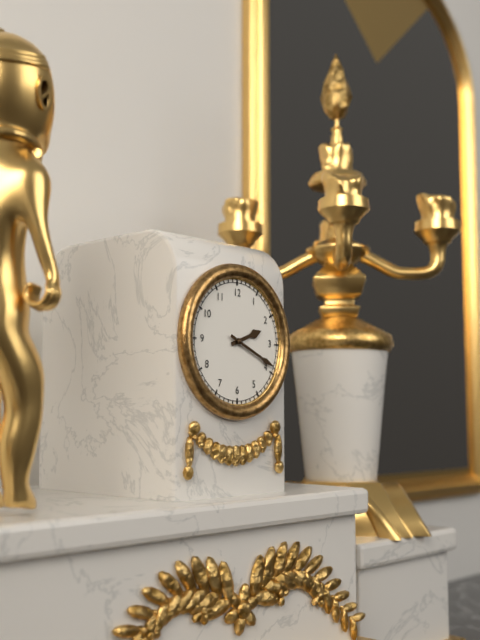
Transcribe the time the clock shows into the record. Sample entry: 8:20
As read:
2:19
